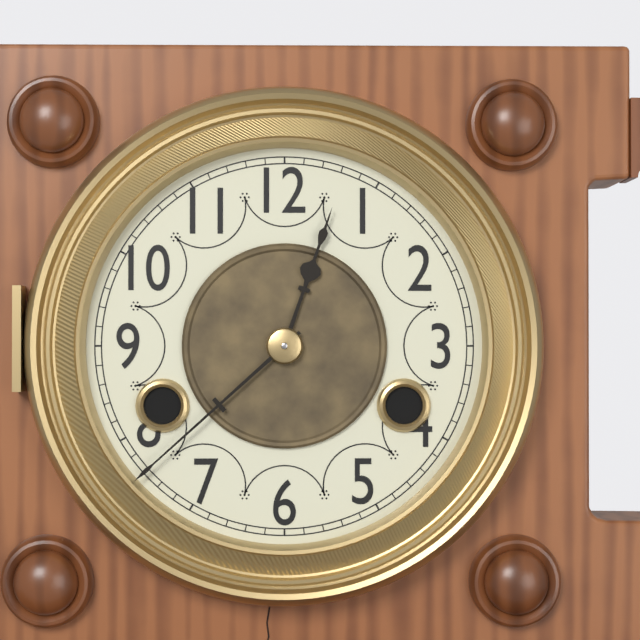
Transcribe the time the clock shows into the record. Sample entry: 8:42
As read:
12:38
